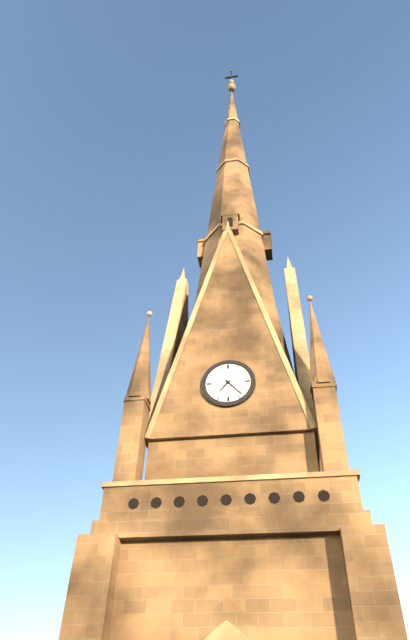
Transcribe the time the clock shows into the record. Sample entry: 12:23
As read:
7:23
